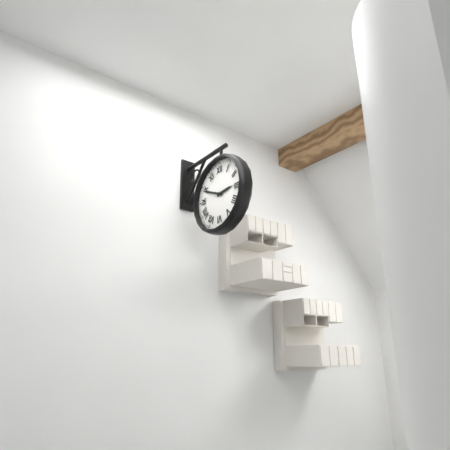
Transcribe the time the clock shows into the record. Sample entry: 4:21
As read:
2:49
